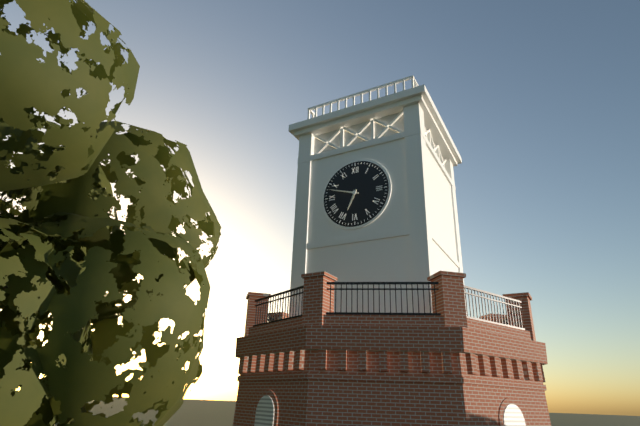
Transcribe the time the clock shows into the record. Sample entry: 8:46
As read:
6:48
